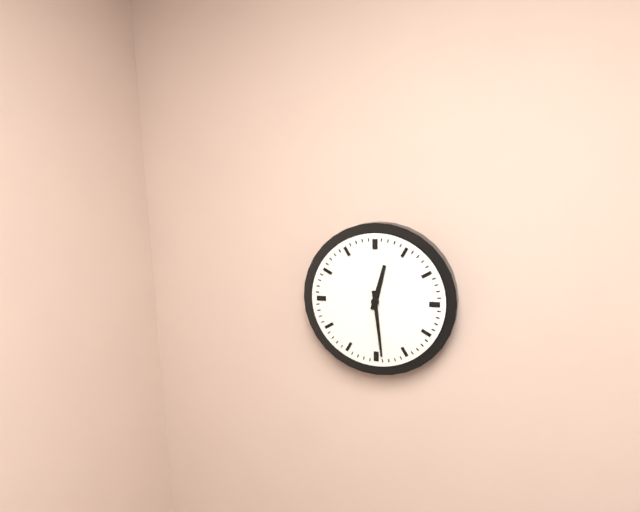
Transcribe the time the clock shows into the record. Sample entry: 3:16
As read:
12:29
